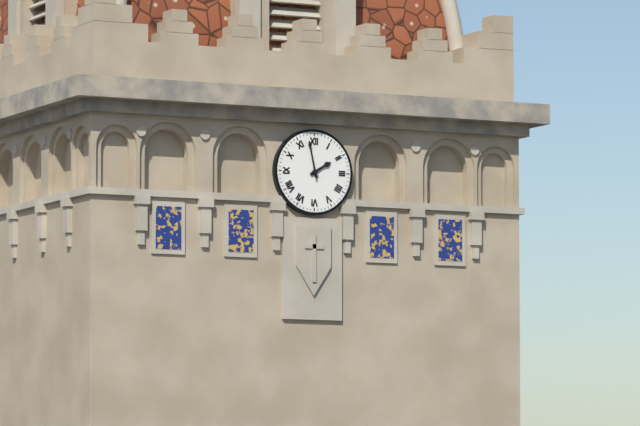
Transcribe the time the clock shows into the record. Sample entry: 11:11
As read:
1:58
